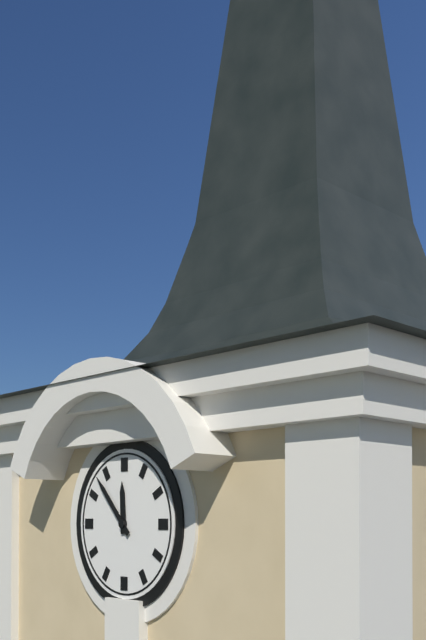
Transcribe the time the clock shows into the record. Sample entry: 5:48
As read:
11:53
